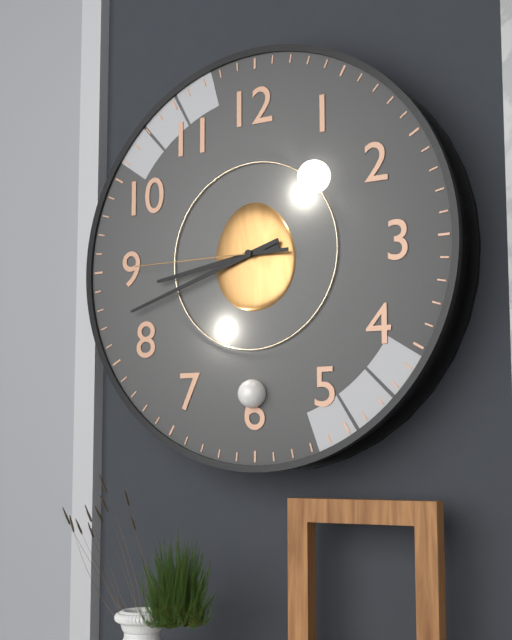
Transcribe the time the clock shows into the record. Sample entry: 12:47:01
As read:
8:42:45
